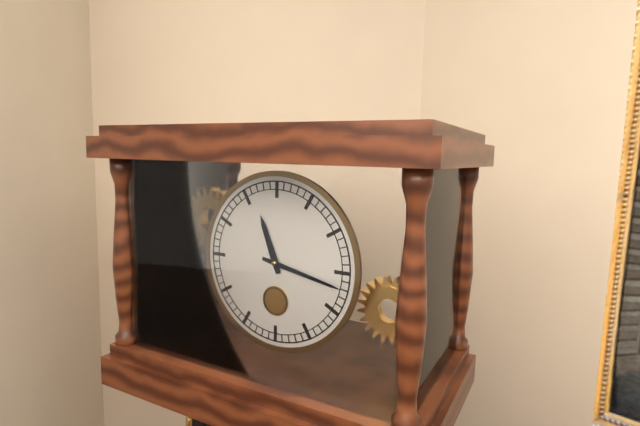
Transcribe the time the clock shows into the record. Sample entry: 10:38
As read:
11:17
